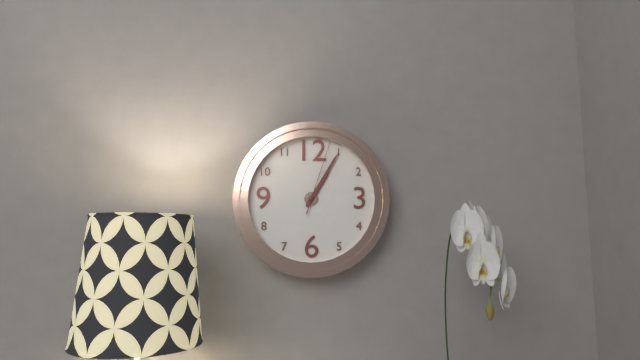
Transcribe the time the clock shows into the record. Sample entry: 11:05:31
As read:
1:05:03
